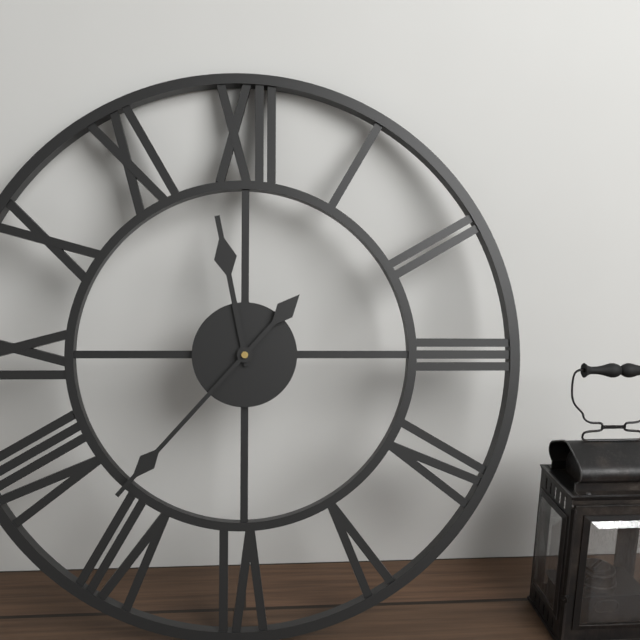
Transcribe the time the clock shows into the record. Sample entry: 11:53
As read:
11:37
